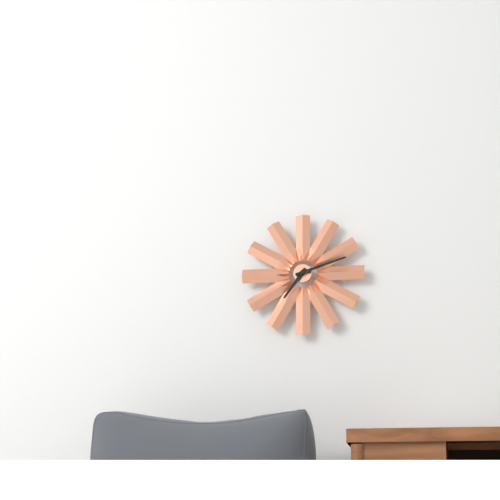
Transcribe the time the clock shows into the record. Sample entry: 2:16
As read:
7:12
